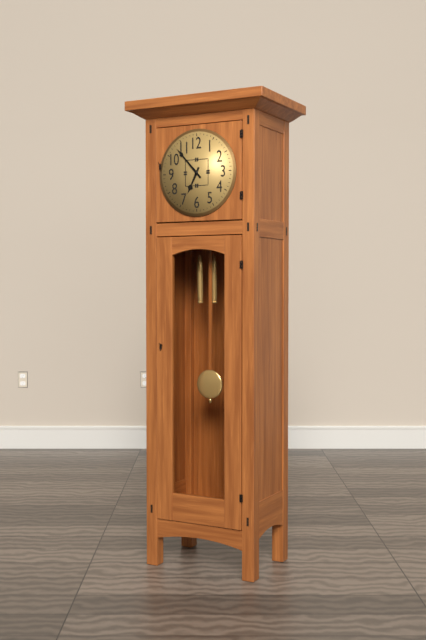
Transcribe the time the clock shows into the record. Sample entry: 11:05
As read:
6:53
